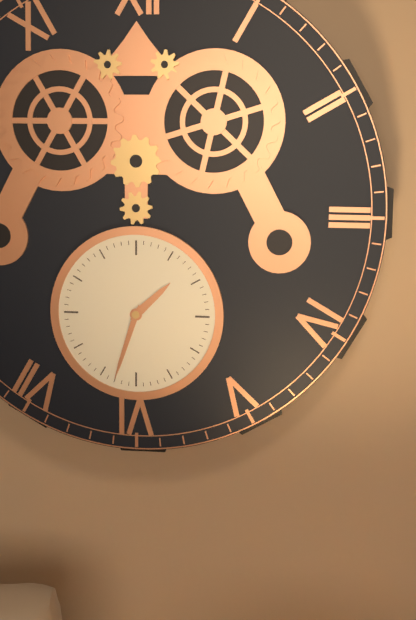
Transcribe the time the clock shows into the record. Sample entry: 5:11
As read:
1:33
